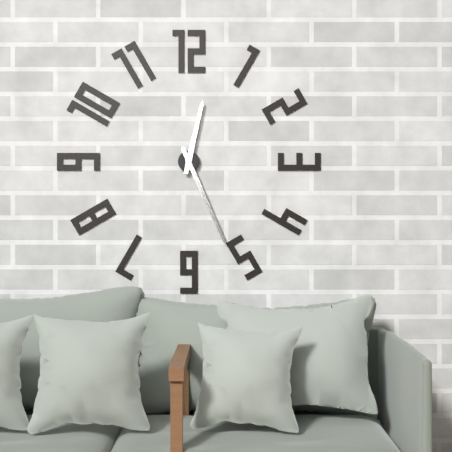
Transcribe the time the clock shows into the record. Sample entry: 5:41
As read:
12:26
